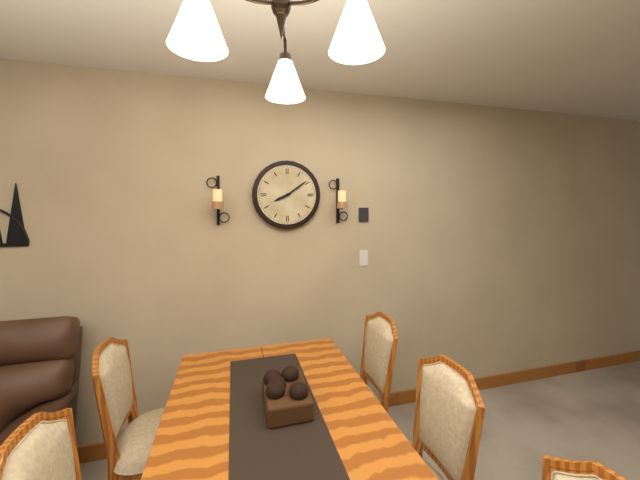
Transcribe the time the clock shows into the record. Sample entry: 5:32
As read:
8:09
